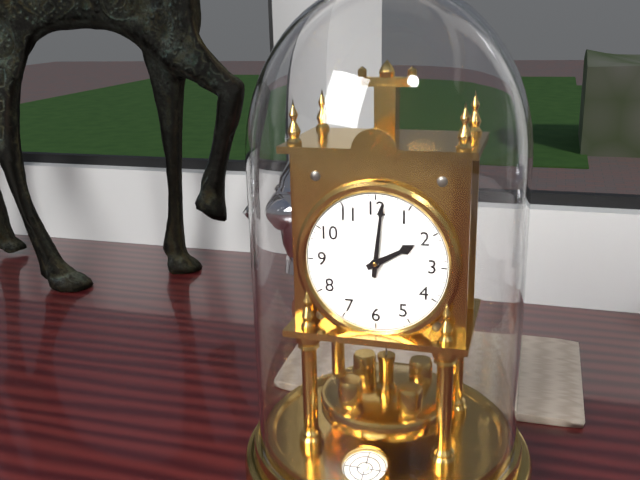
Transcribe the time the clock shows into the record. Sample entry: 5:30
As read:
2:01
